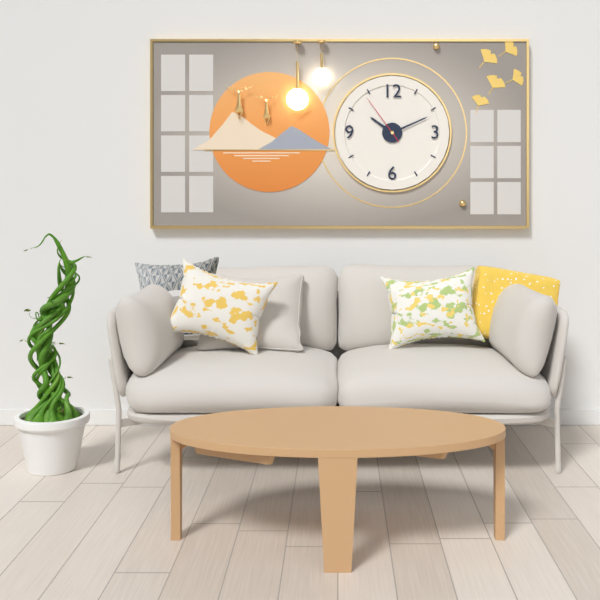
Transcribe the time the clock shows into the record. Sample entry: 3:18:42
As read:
10:11:54
